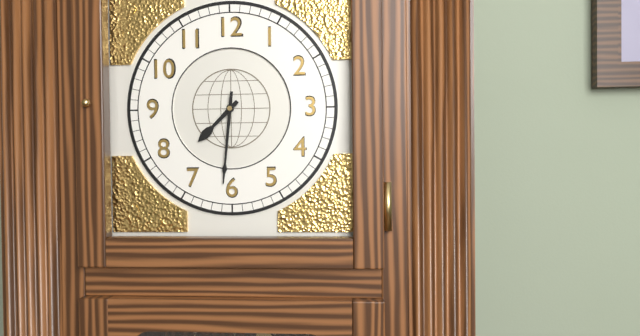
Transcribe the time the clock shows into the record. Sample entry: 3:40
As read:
7:31
